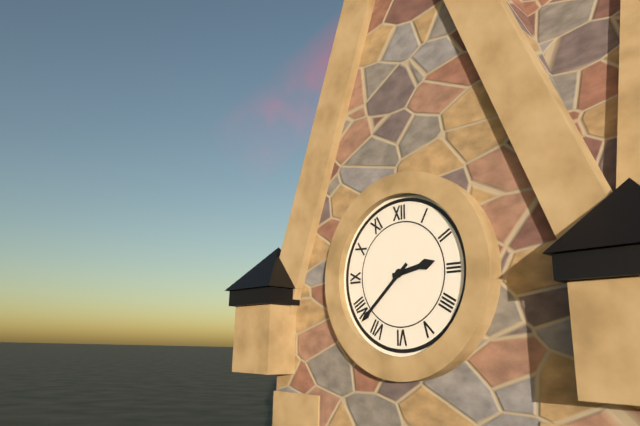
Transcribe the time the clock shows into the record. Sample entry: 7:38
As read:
2:38
